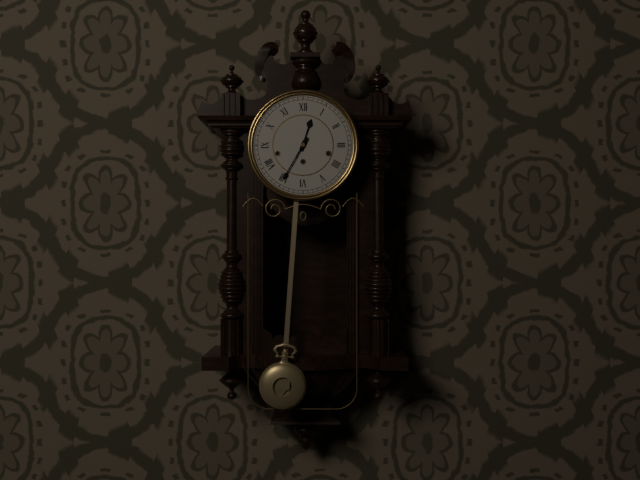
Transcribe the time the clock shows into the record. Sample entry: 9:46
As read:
12:35
